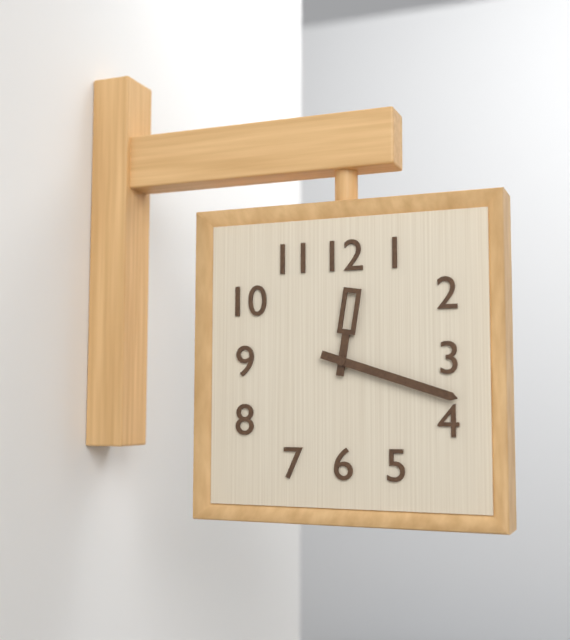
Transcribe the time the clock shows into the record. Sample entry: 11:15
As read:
12:18
